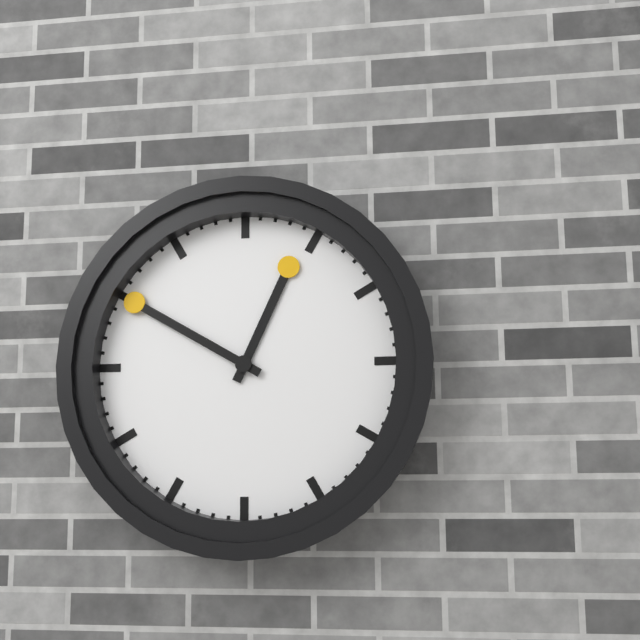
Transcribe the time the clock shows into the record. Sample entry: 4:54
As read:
12:50
